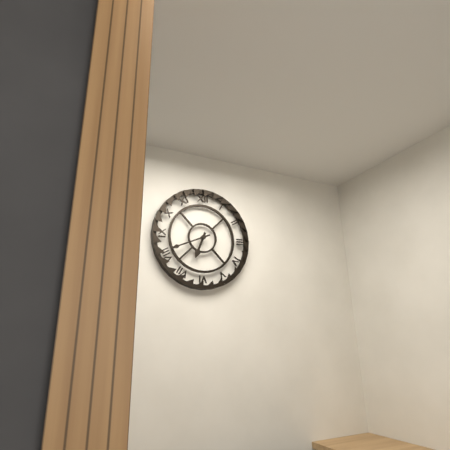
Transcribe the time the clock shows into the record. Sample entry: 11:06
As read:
6:41
